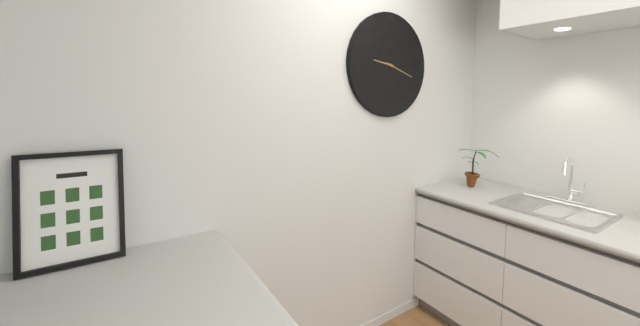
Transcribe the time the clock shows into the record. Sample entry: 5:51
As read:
9:18
